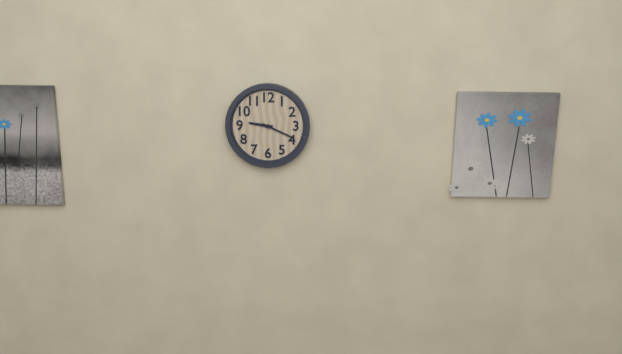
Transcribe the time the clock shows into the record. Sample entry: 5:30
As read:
9:19
